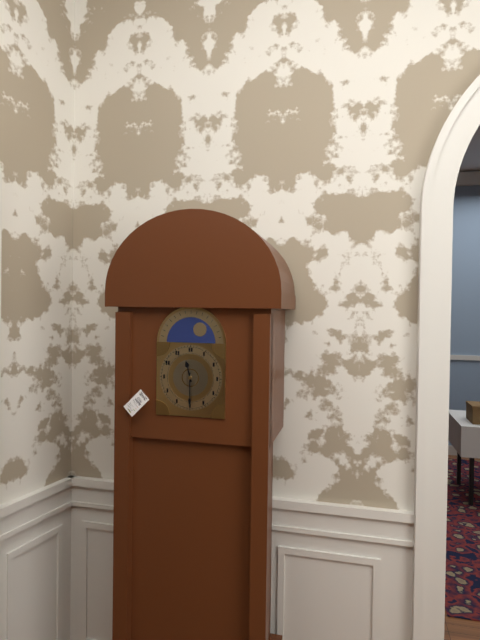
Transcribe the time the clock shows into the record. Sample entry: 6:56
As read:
11:30
